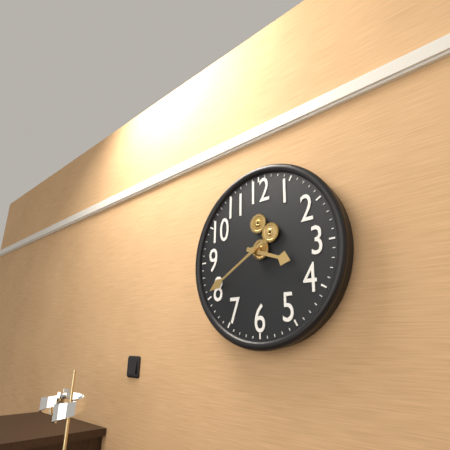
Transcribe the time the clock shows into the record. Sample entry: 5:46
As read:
3:40
